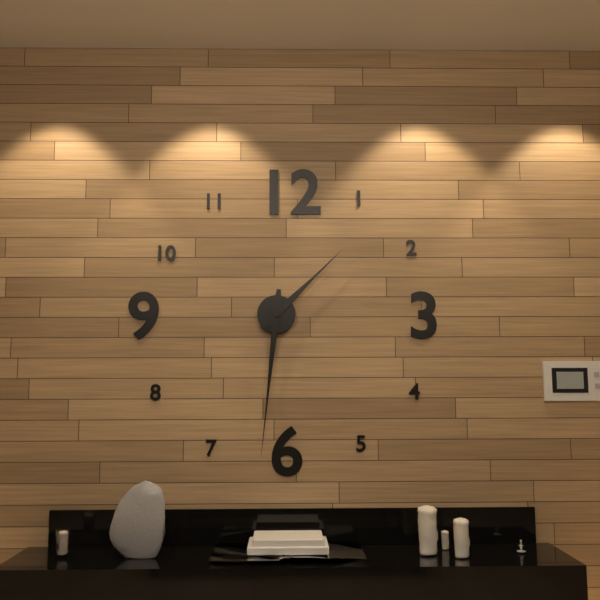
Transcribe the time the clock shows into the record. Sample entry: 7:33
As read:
1:31
